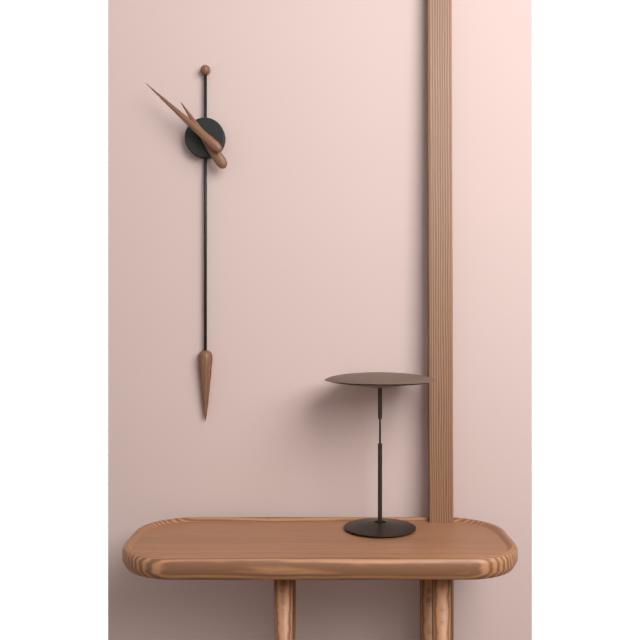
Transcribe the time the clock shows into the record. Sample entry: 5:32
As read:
10:52
